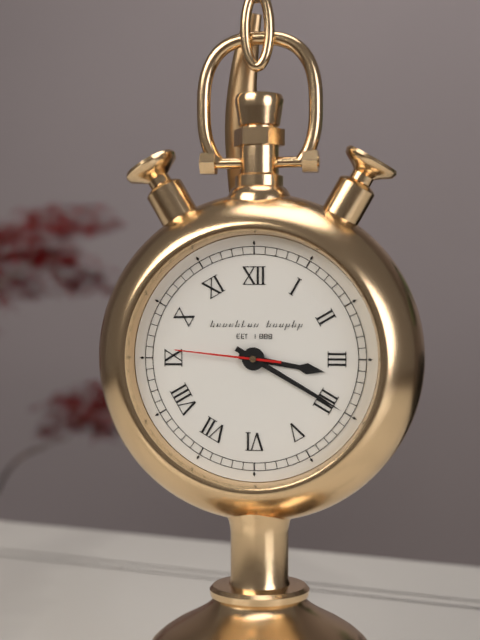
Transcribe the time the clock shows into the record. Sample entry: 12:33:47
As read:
3:20:46
